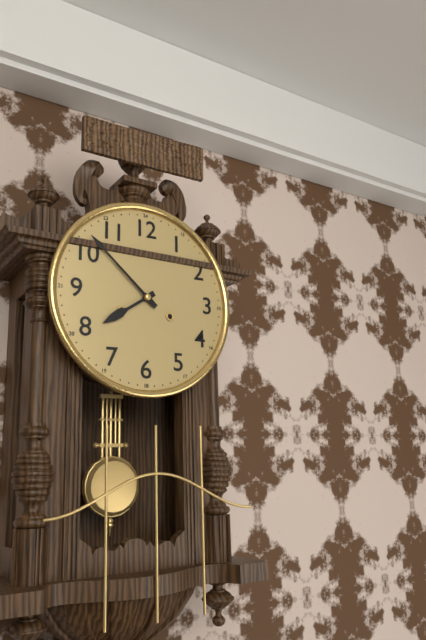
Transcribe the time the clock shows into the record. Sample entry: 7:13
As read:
7:52
